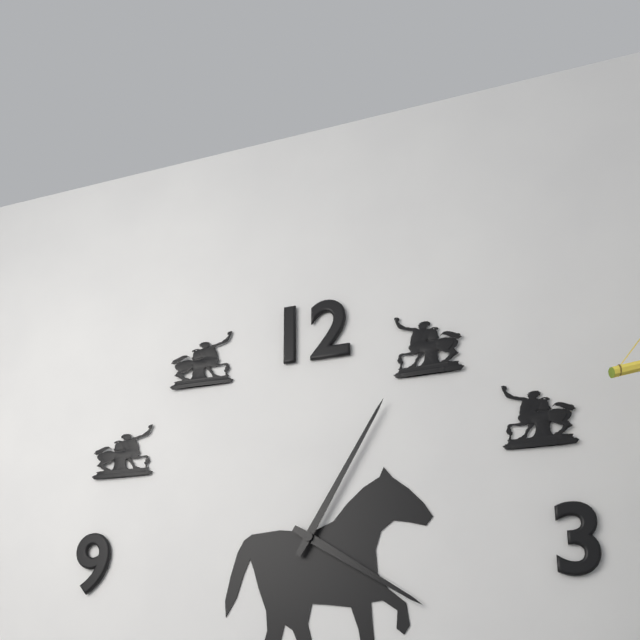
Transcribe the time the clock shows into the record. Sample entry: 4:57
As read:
4:05
